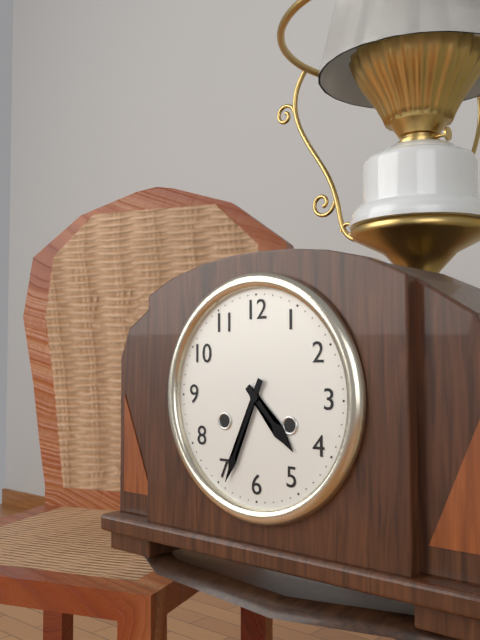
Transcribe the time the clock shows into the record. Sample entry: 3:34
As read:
4:34
